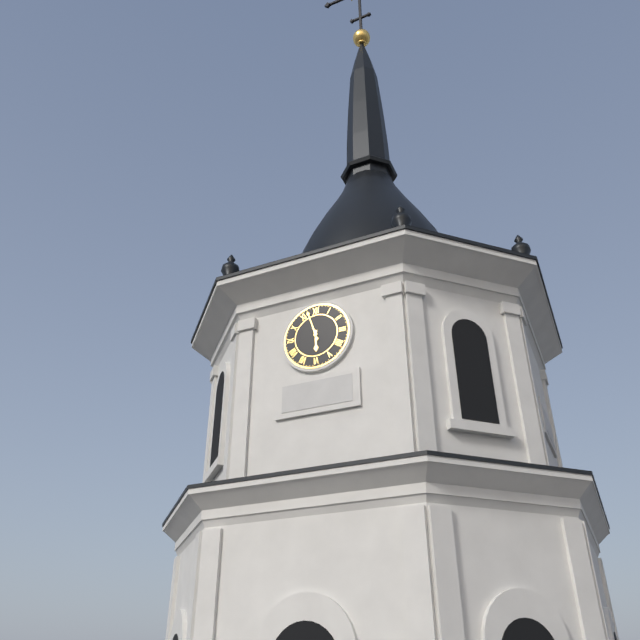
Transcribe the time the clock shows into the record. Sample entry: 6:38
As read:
5:57
